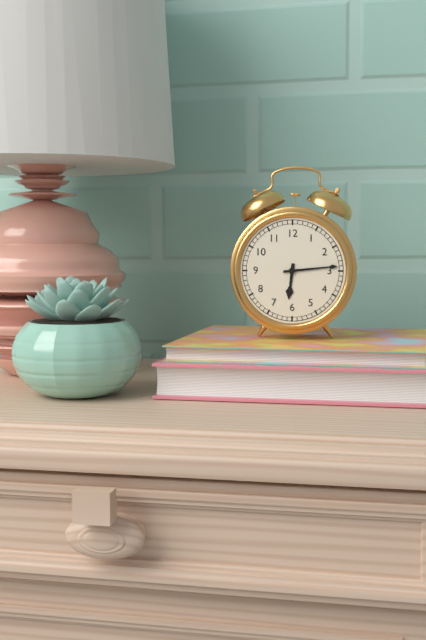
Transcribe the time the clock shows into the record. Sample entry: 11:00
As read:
6:14
